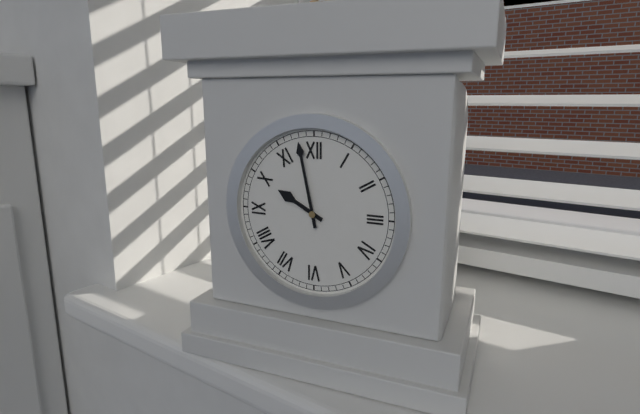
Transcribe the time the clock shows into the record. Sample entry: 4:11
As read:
9:58
